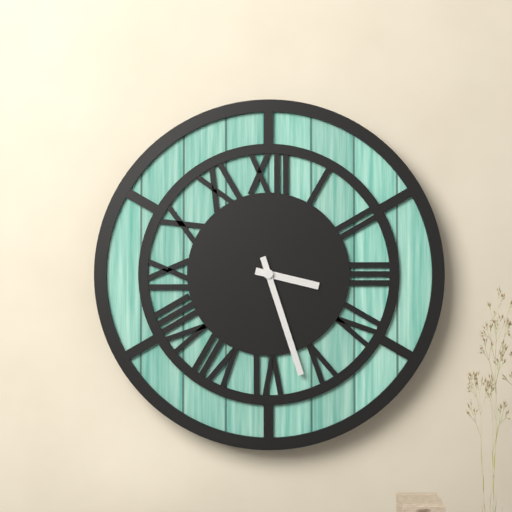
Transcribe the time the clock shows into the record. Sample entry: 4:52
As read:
3:27
